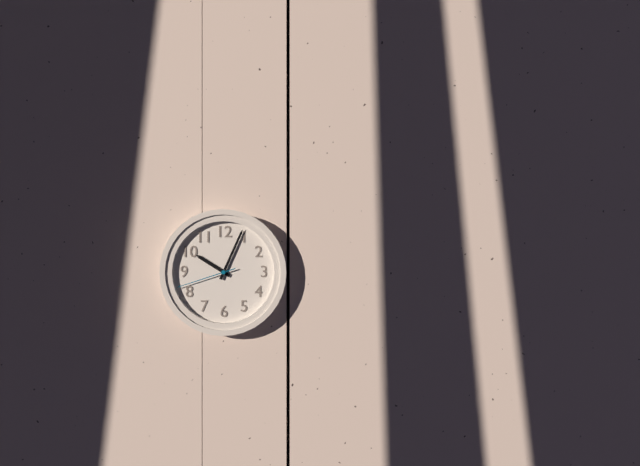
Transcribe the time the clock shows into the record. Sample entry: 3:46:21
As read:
10:04:42
